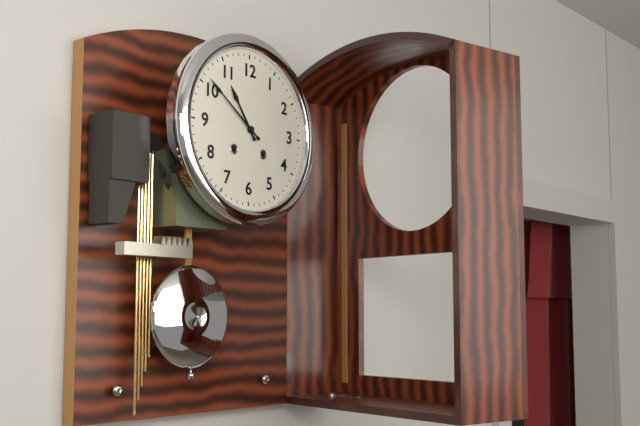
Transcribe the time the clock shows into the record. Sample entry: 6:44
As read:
10:51
